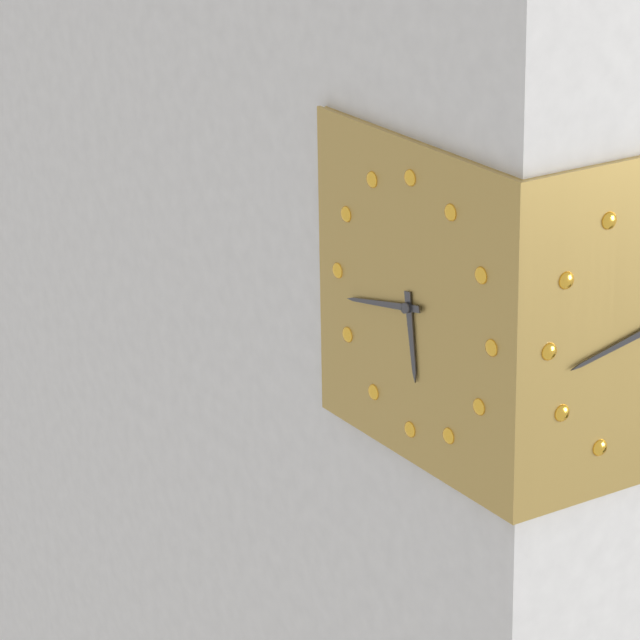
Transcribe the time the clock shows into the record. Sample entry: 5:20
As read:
5:43
